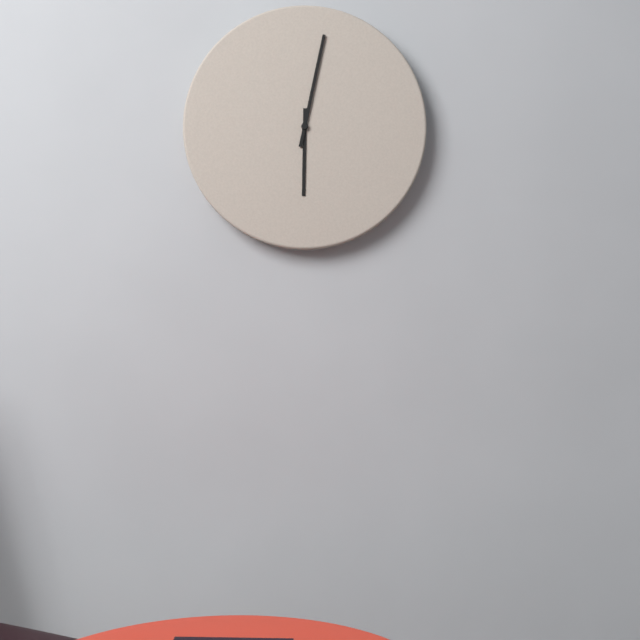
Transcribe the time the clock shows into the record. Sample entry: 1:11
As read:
6:02
